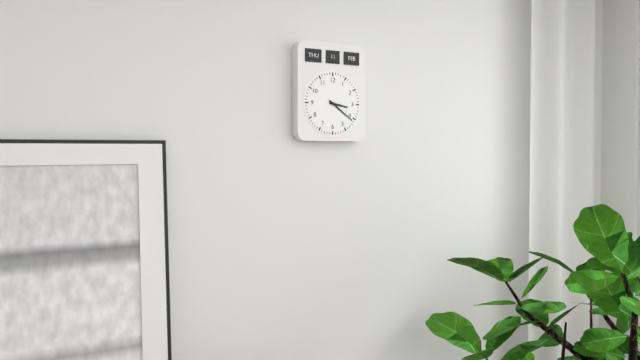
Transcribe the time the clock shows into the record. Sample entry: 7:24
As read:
3:21
